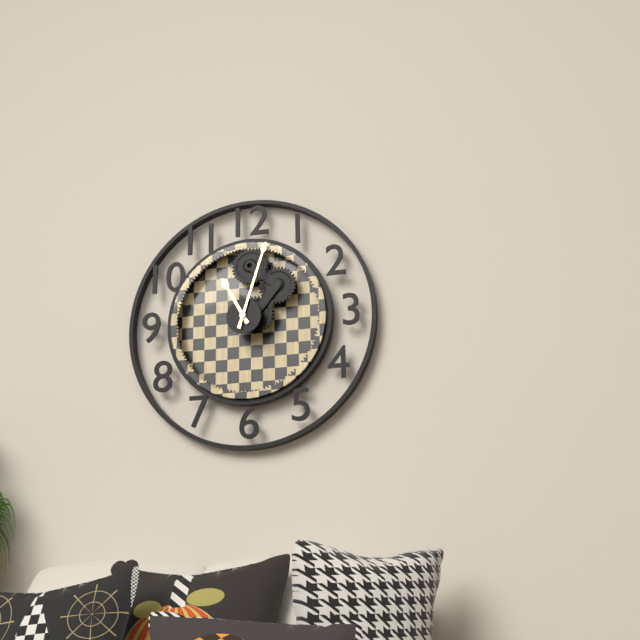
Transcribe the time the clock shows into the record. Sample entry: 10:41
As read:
11:03
